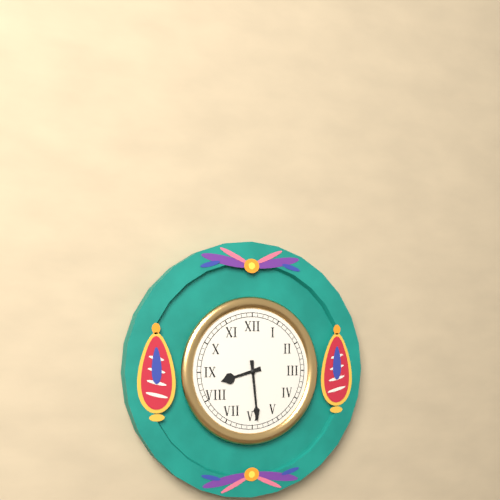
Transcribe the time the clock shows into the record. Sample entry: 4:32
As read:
8:29
